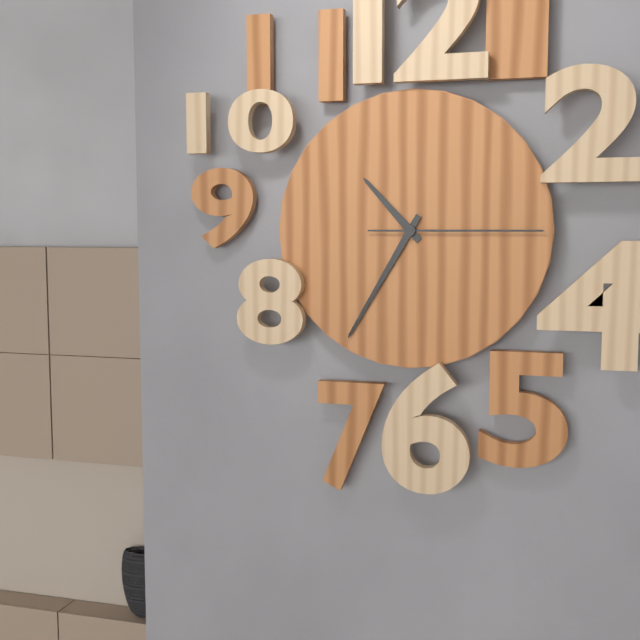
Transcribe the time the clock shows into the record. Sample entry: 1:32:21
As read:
10:35:15
